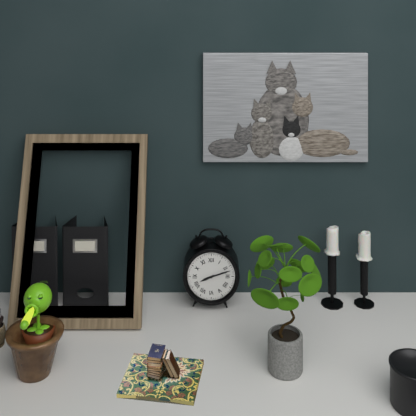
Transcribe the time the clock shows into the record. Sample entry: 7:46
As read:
8:12
